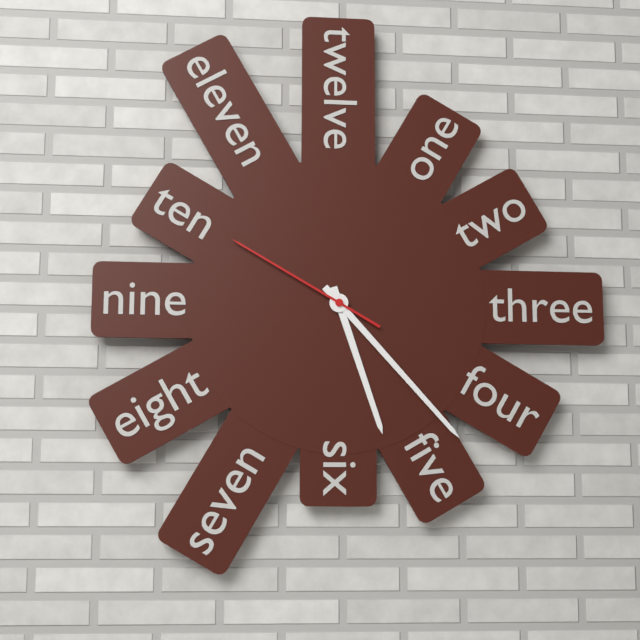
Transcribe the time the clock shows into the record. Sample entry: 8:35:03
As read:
5:23:50
